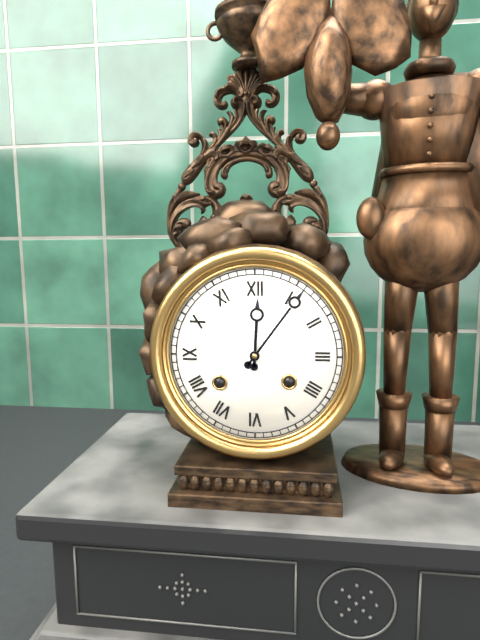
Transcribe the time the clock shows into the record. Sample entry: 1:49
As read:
12:06
